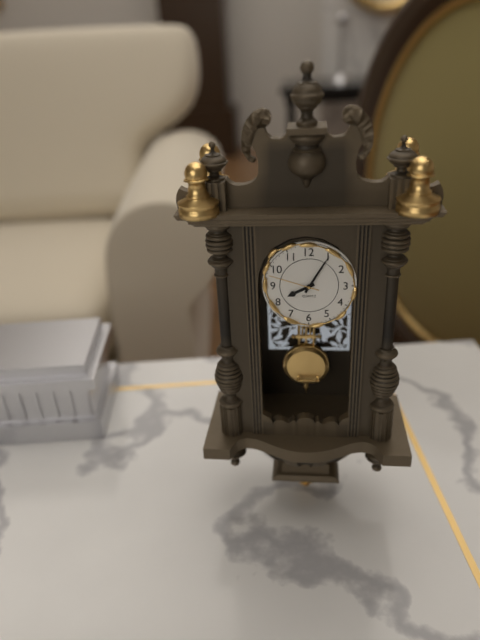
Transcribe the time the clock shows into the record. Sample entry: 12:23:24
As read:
8:05:48
